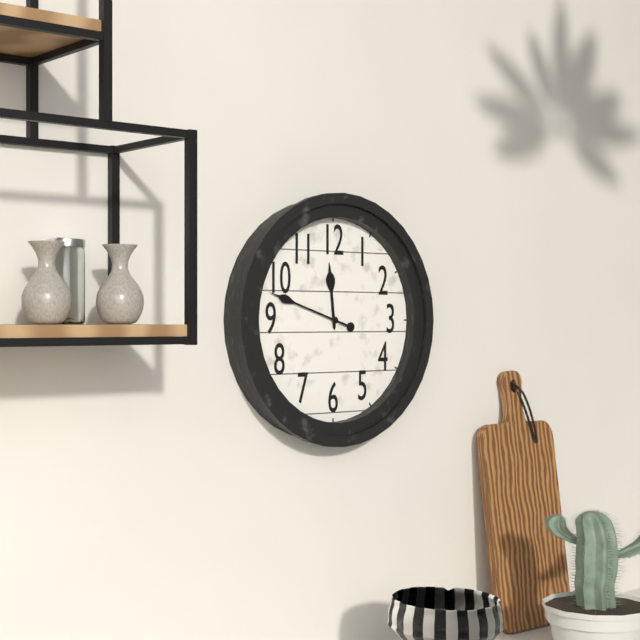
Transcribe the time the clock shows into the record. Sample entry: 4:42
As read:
11:48
